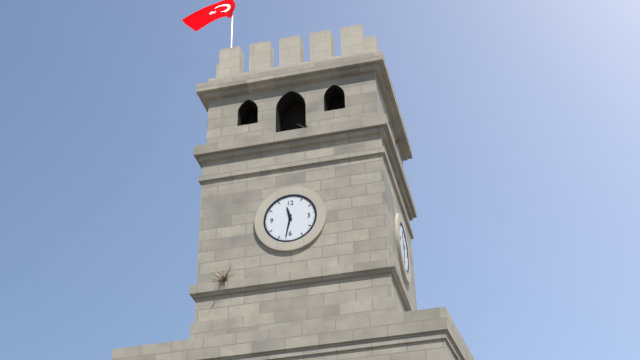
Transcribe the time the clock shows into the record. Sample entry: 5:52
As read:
11:32
